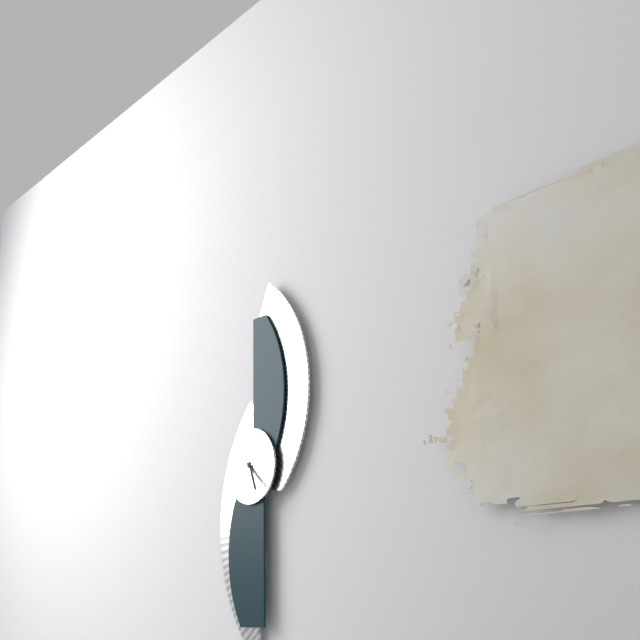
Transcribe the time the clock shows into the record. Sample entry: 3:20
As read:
5:22
